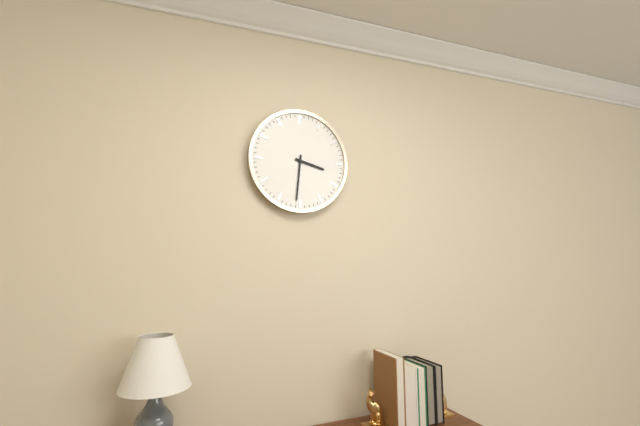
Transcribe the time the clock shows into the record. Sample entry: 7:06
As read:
3:31
